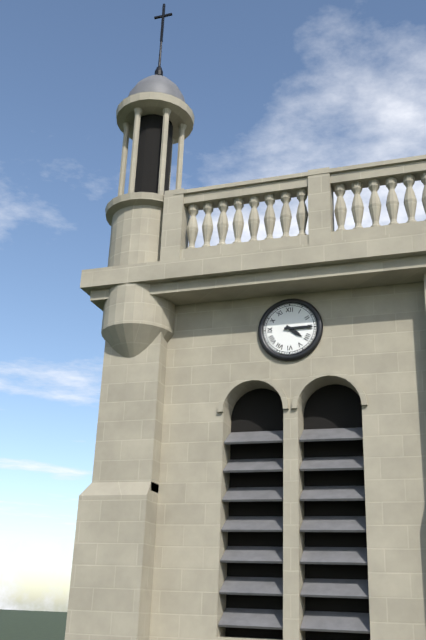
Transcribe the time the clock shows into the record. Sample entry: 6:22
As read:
4:15
